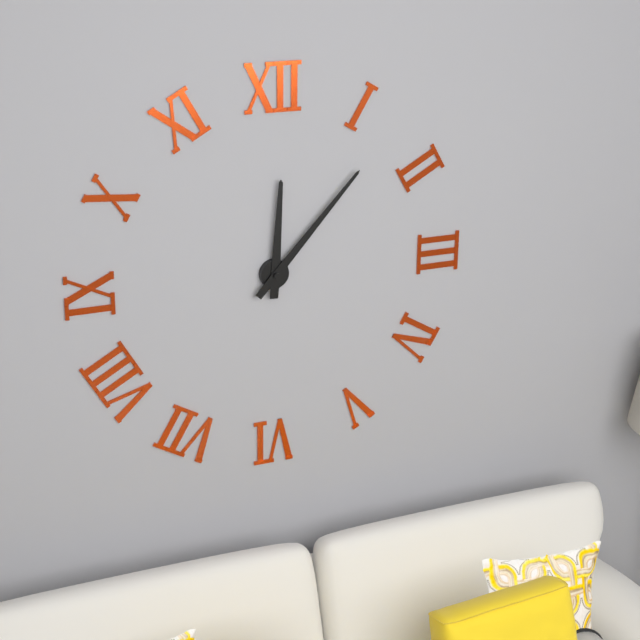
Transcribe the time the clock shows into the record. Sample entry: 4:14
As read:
12:07
